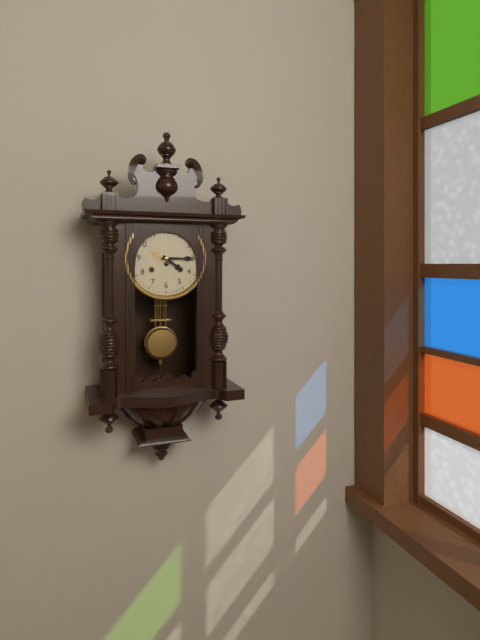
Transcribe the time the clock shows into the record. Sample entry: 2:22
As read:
4:15
